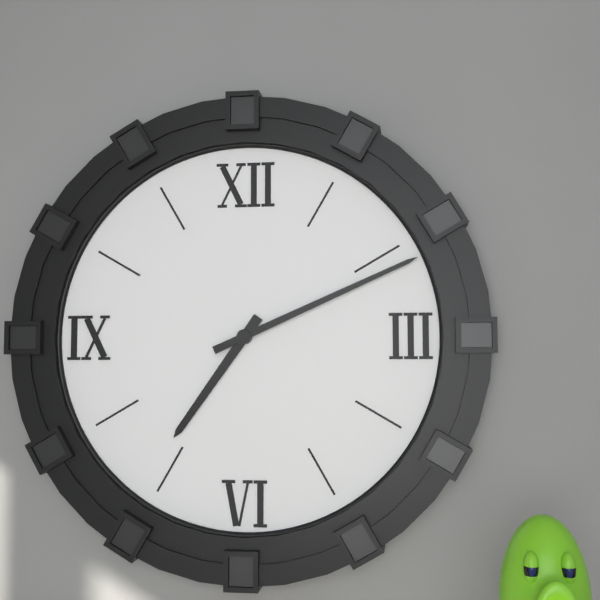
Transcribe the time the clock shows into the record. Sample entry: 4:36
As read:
7:11
